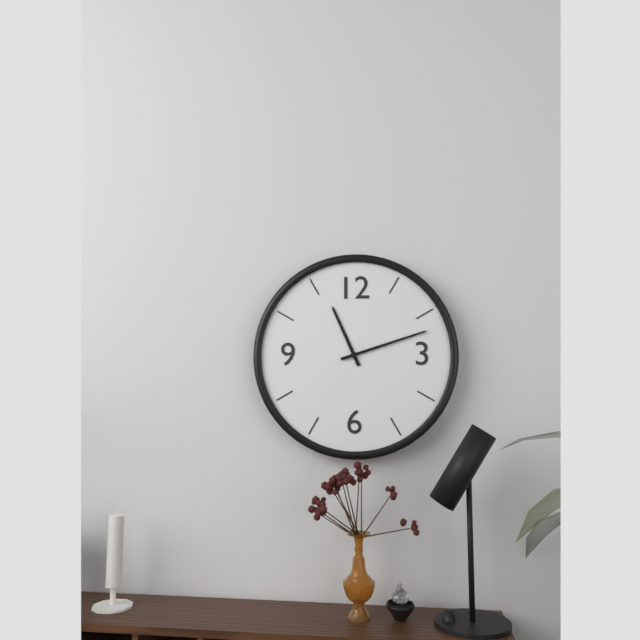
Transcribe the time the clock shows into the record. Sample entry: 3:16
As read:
11:12
